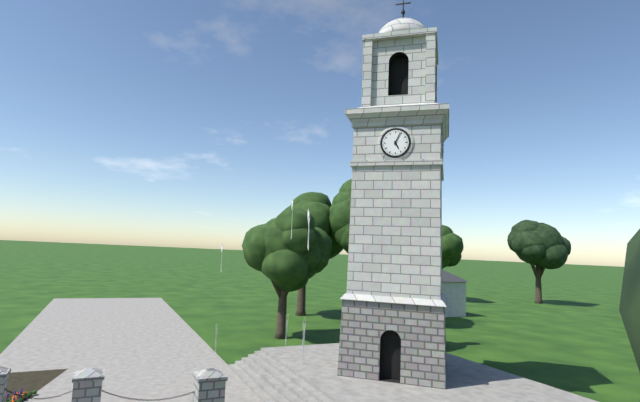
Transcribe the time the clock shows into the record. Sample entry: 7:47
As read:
5:04
